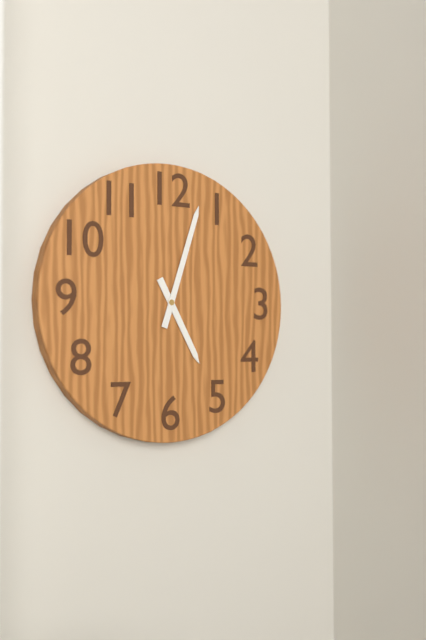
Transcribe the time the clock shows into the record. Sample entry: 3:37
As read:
5:03
